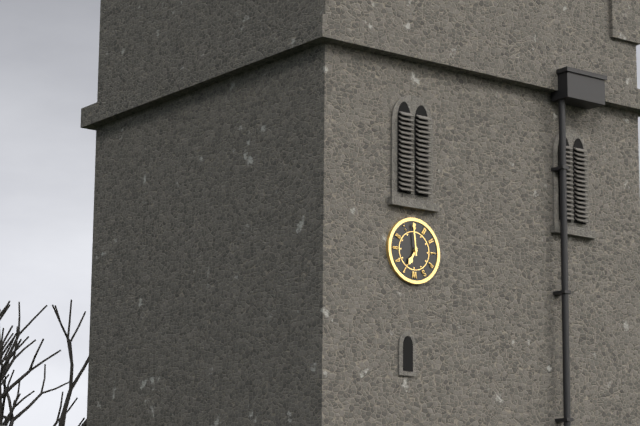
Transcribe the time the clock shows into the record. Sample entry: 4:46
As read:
6:59
